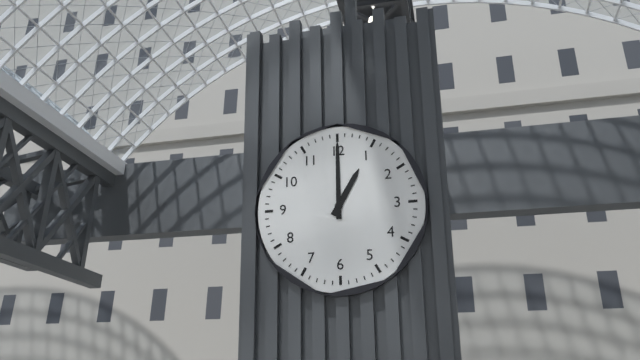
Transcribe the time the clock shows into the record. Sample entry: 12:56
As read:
1:00
